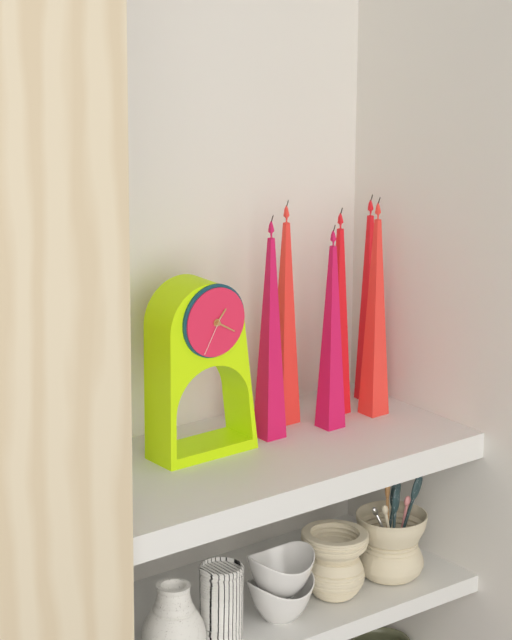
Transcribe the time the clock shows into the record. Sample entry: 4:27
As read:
1:20
